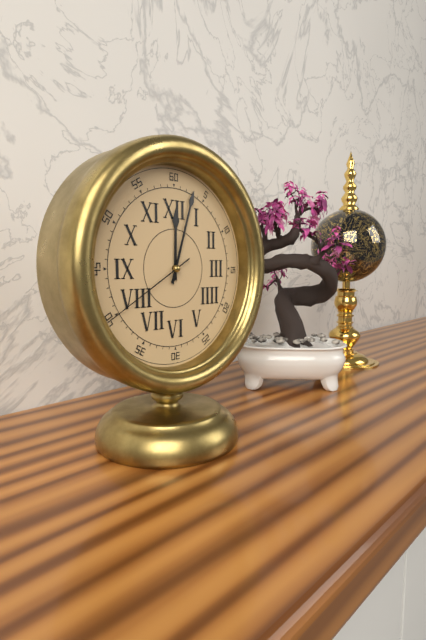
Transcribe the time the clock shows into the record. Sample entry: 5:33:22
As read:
12:03:40
